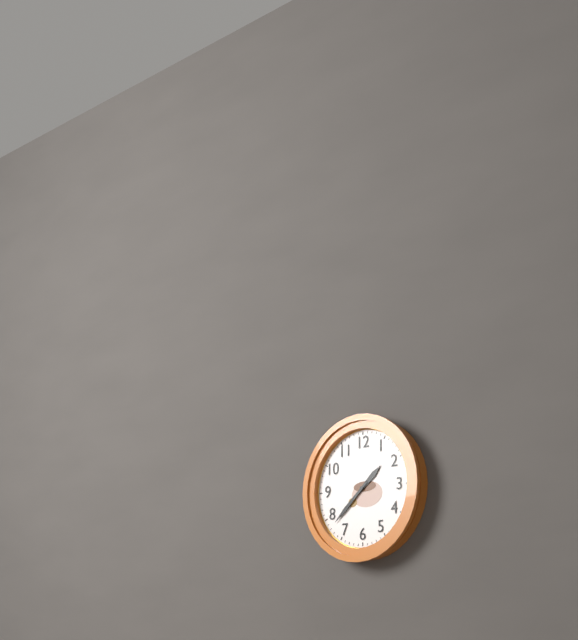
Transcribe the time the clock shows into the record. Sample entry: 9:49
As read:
1:38
